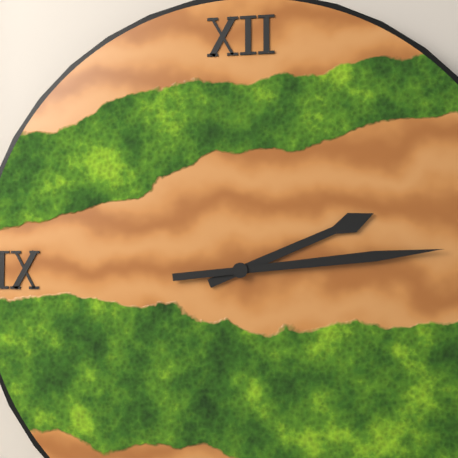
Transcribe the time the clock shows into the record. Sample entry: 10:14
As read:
2:14
